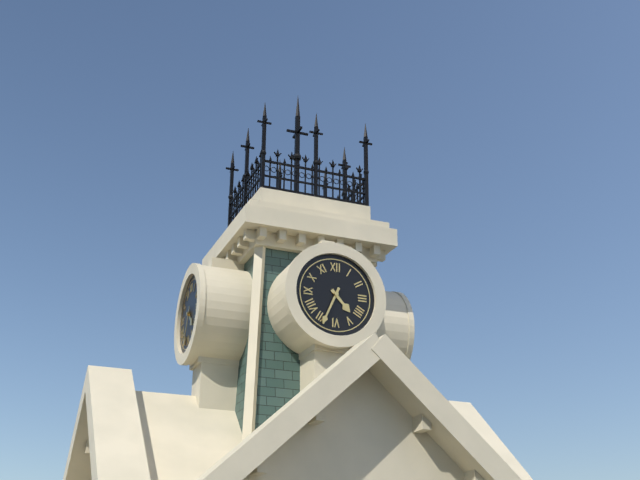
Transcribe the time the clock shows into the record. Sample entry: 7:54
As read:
4:34
